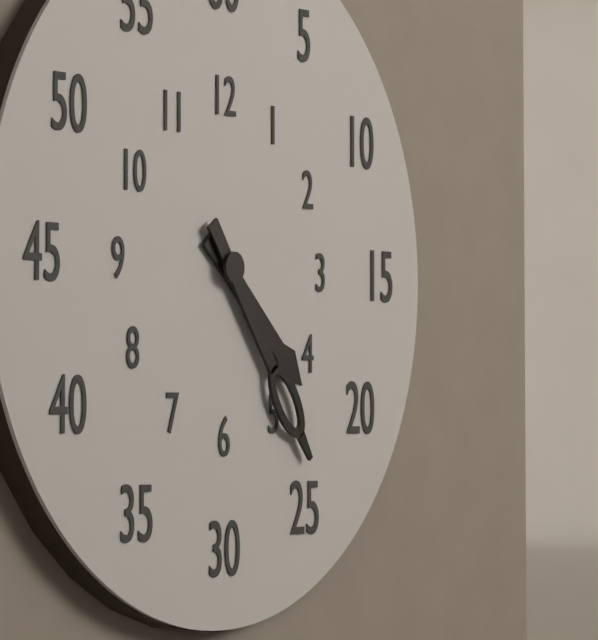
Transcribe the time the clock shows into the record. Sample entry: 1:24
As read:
4:24
